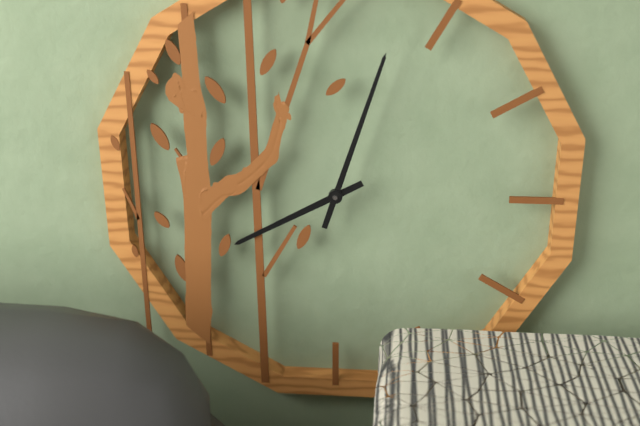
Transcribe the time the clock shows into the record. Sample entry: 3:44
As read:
8:03
